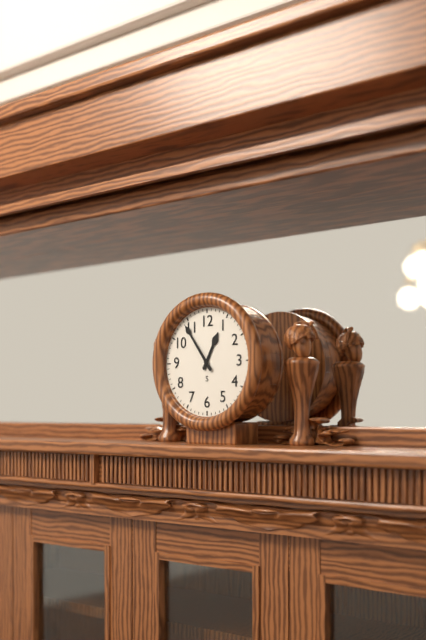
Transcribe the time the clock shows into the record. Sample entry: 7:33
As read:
12:54
